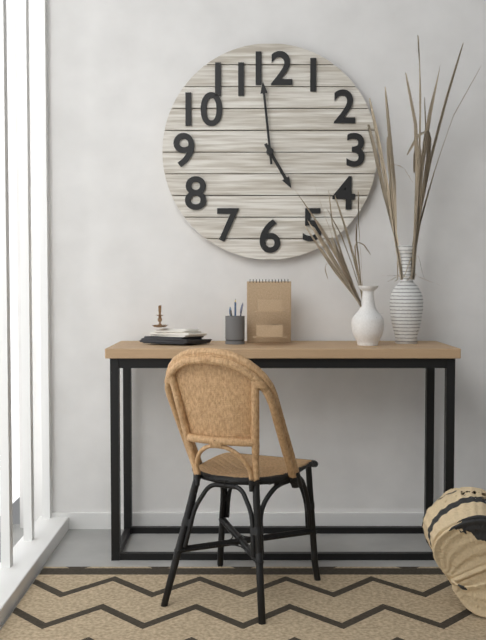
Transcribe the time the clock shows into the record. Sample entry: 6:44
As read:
4:59
